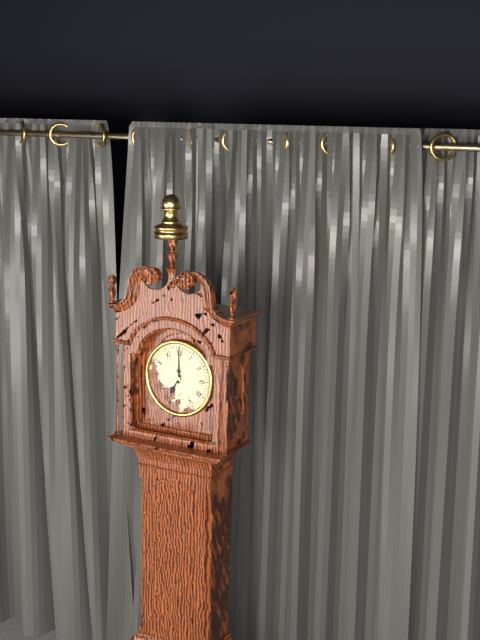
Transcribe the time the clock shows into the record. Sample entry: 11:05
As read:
7:00
